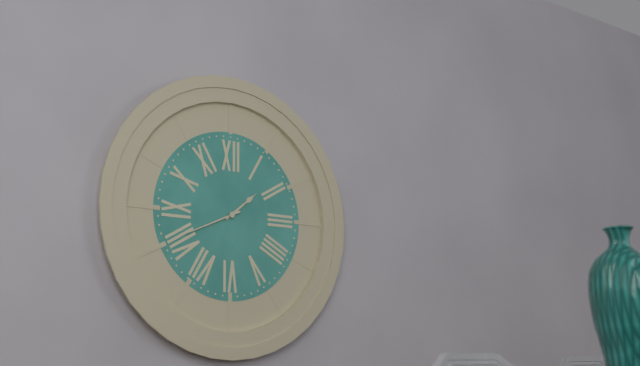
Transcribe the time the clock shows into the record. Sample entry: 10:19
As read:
1:41
